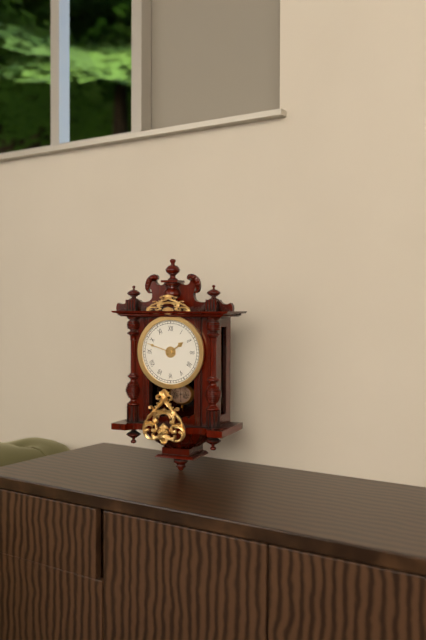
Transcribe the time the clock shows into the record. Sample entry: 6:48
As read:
1:48
